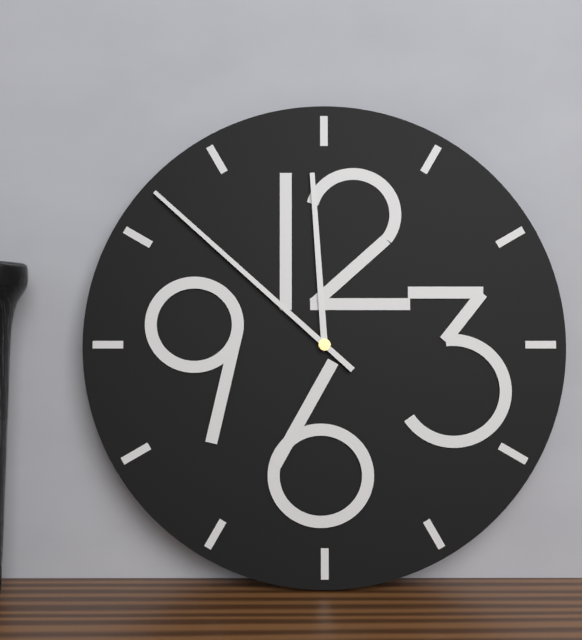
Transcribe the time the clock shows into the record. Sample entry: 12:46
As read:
11:52
